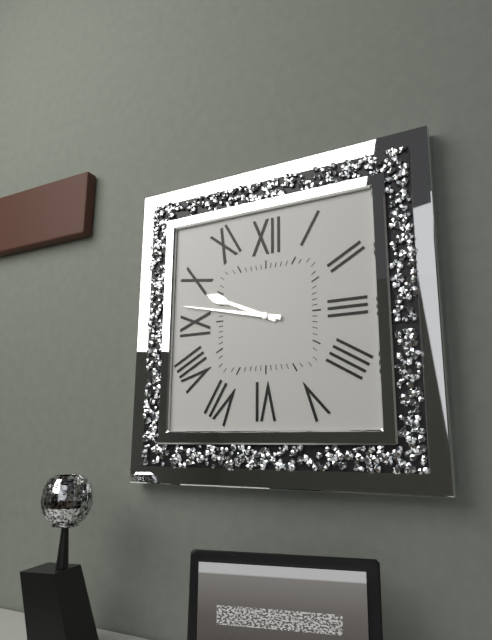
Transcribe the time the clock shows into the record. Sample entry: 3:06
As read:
9:47
